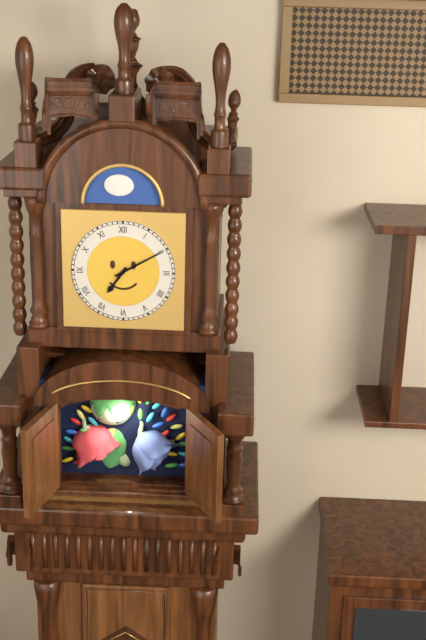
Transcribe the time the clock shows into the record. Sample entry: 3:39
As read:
7:10
